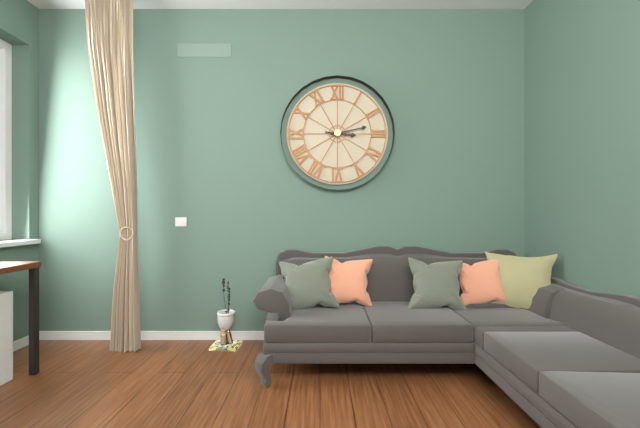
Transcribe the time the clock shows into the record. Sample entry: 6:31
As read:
3:13
